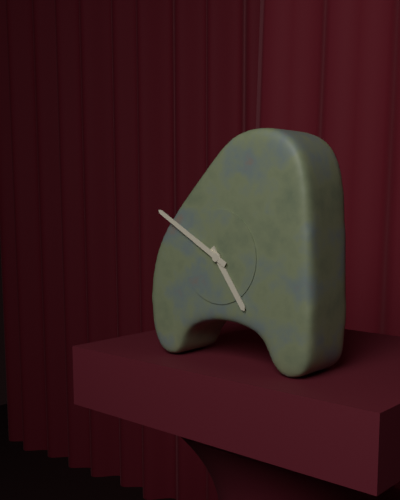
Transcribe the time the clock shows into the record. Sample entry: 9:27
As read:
4:50
